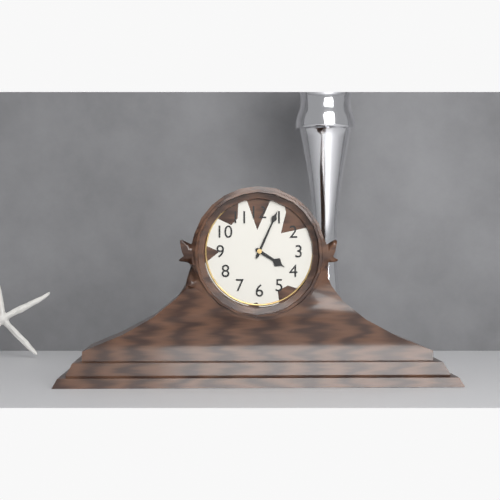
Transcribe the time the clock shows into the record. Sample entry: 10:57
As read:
4:04
